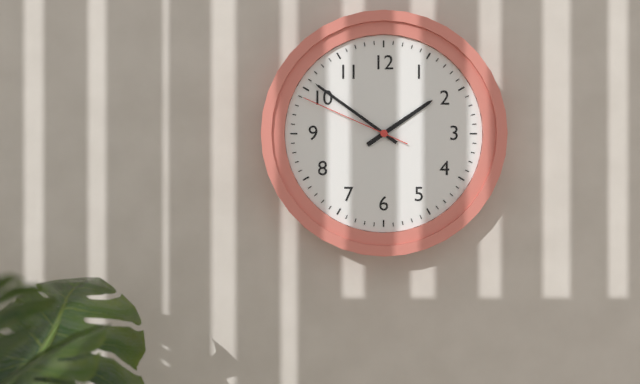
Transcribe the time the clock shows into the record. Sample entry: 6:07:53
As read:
1:51:49
